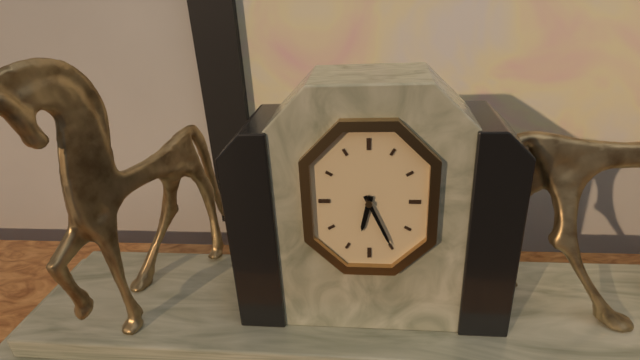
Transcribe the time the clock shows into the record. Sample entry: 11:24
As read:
6:26
